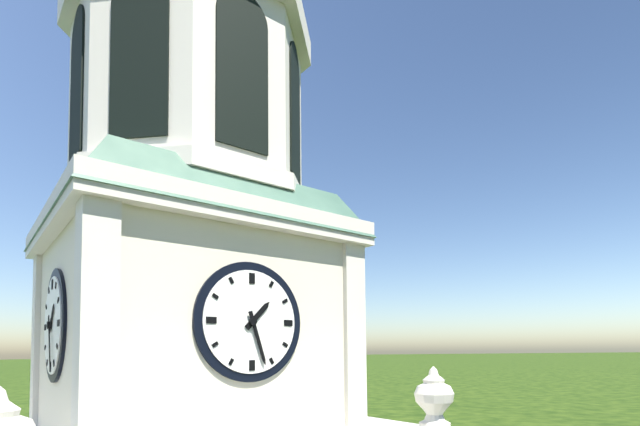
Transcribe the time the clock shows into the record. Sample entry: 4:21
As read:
1:27
